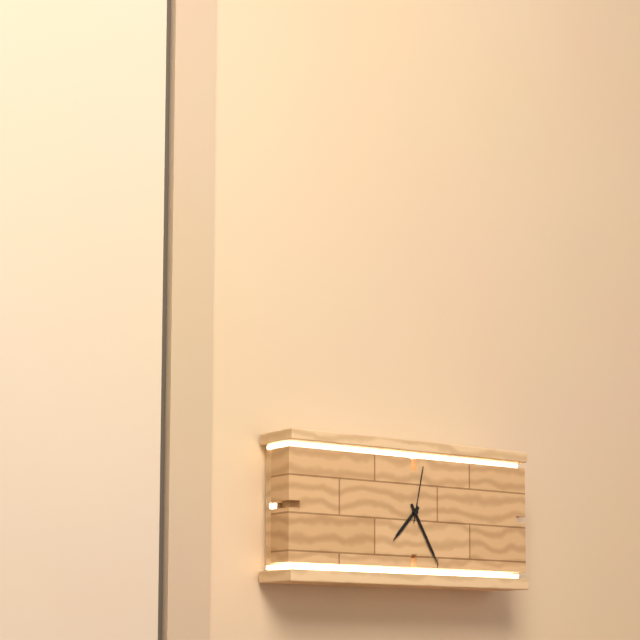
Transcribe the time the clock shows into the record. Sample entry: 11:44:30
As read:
7:25:02
